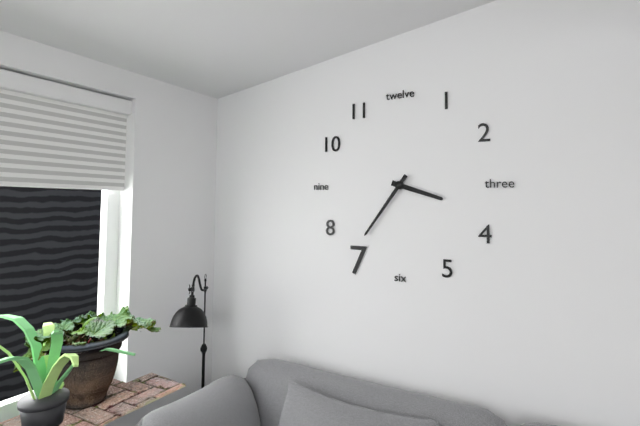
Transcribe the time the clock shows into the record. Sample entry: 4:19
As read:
3:36
